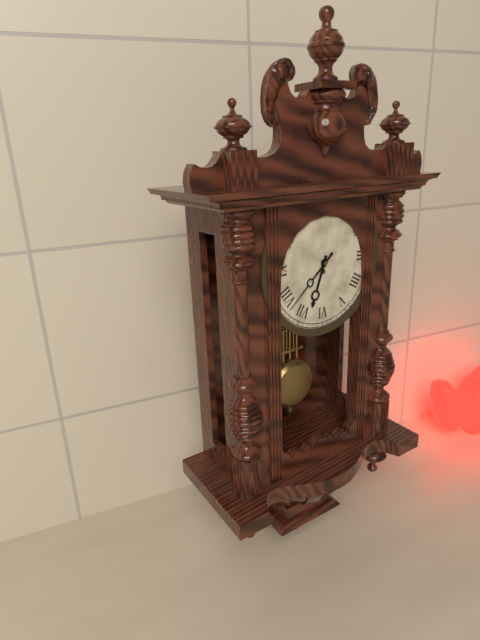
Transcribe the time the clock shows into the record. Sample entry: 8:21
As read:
6:38
